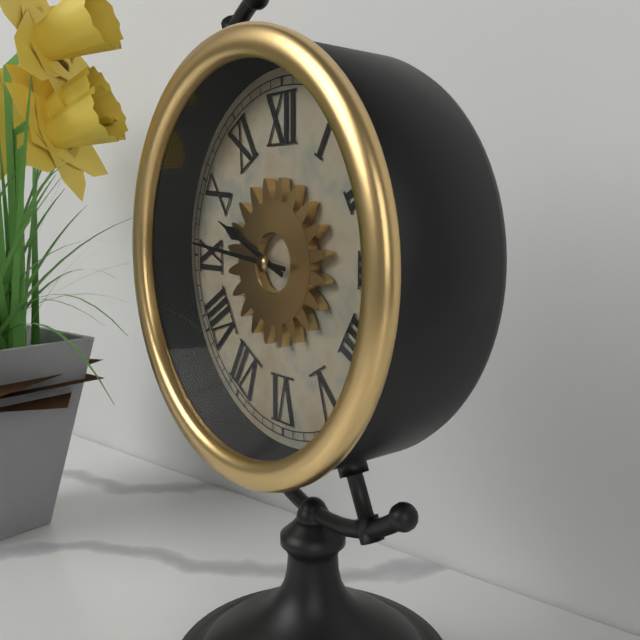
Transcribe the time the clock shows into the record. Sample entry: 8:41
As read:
9:46
